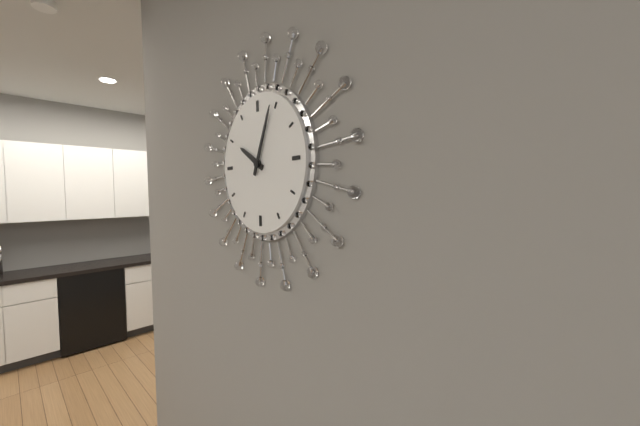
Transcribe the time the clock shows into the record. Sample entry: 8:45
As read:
10:04
